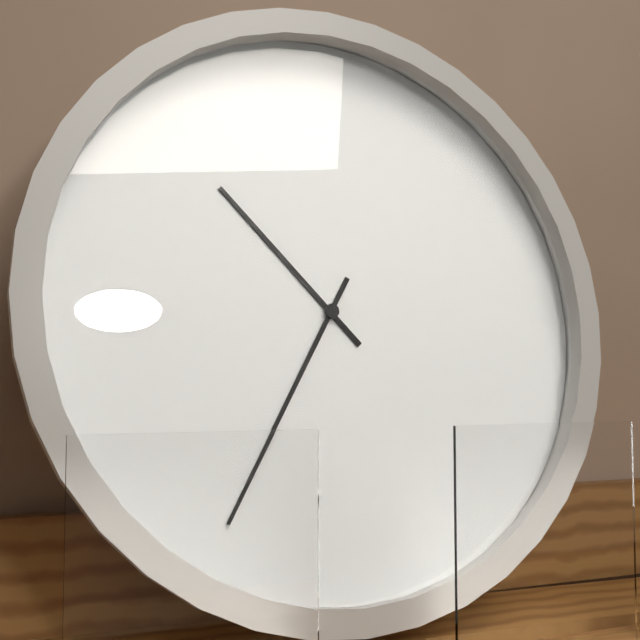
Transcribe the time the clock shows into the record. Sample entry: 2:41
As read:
10:35
